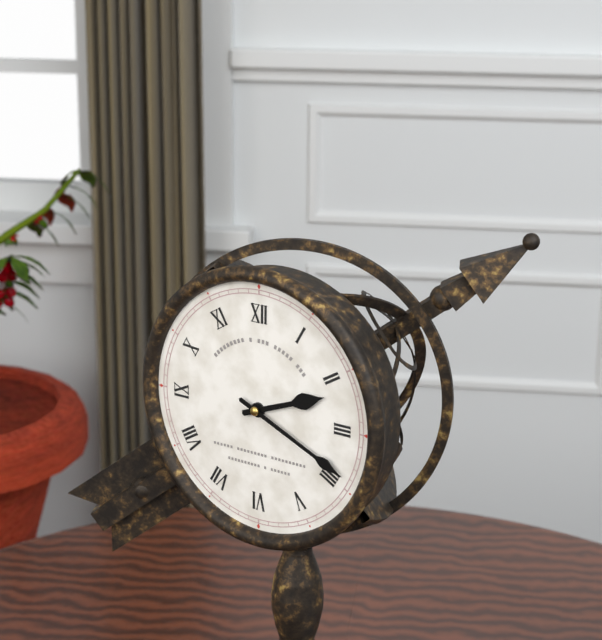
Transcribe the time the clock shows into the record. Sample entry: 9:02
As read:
2:19
